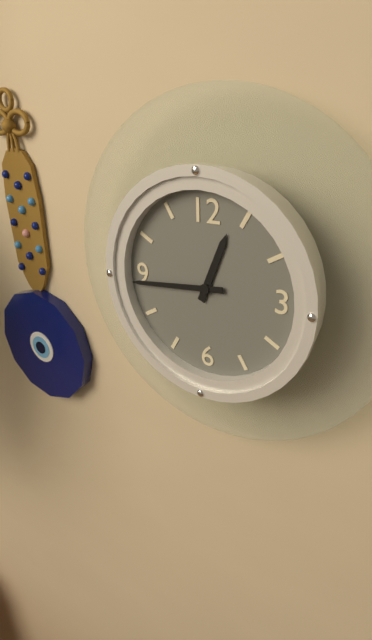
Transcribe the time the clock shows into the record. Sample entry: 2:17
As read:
12:44
